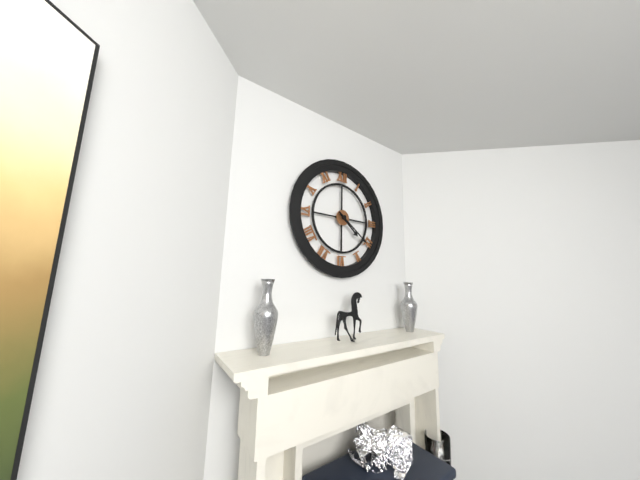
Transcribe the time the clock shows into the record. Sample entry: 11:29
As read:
4:21
